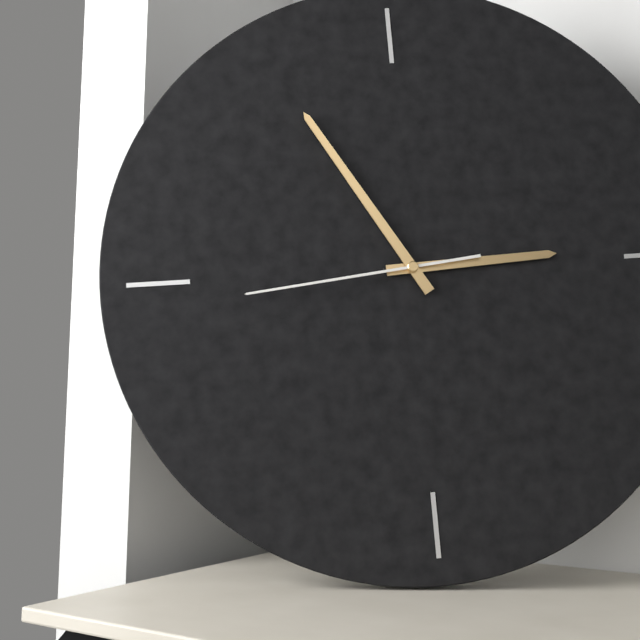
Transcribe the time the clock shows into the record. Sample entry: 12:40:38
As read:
2:55:44
